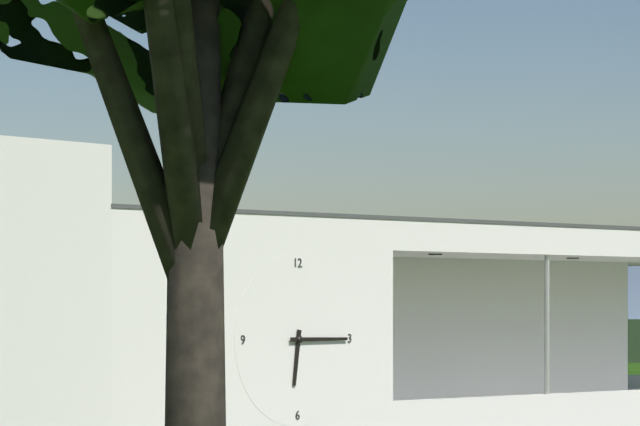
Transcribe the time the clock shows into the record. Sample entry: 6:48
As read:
6:15
